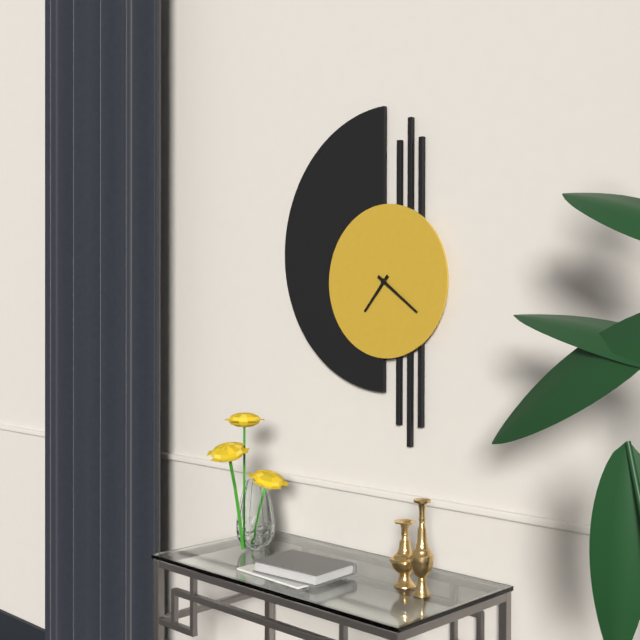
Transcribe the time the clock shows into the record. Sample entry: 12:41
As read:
7:21
